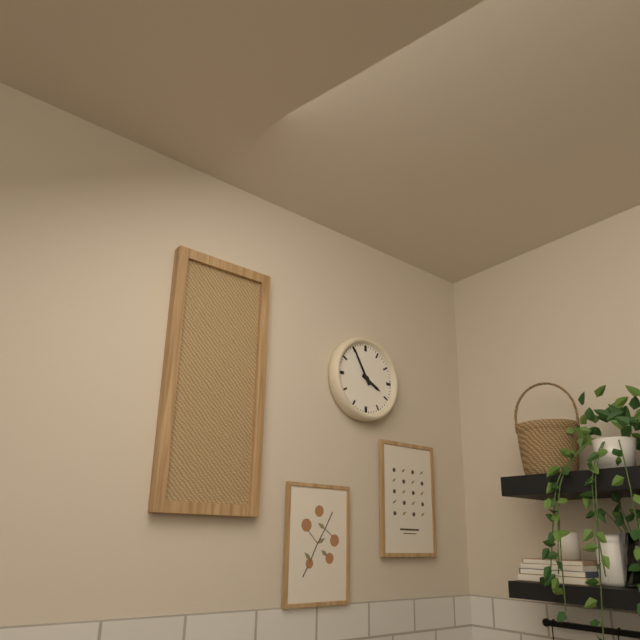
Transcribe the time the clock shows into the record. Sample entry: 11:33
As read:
3:55
